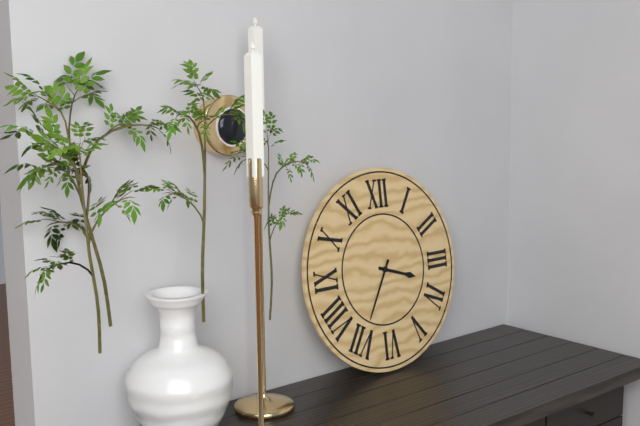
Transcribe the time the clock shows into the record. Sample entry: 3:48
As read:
3:35
